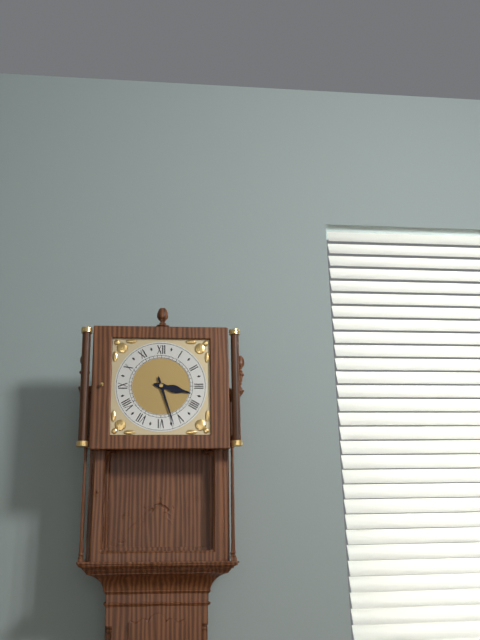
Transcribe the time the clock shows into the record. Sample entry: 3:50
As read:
3:27
